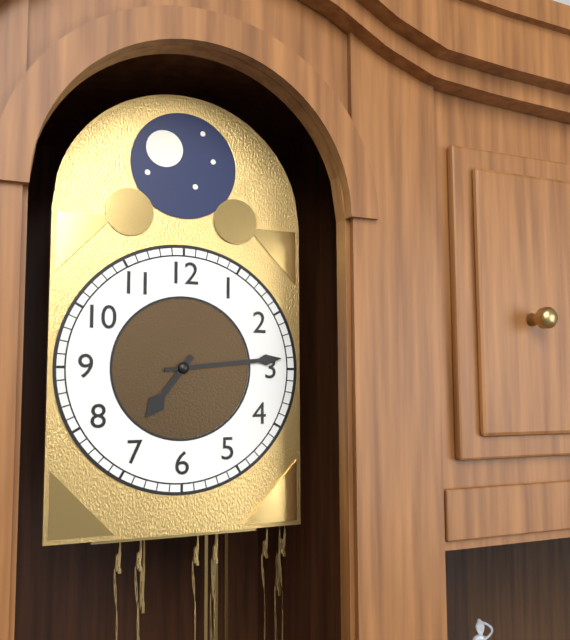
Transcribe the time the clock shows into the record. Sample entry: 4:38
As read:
7:14
